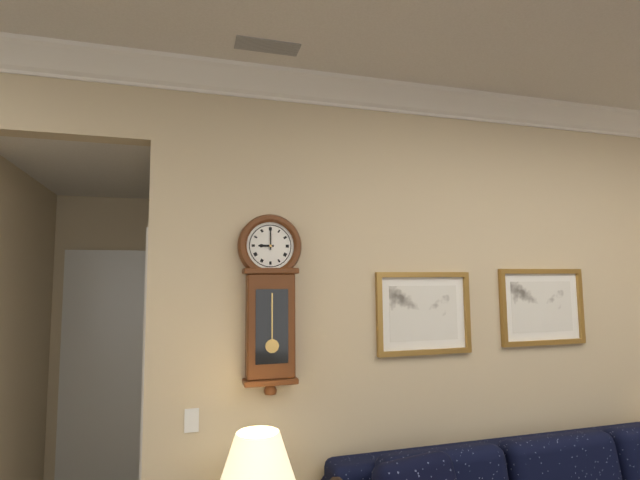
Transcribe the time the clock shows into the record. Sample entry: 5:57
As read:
9:00
